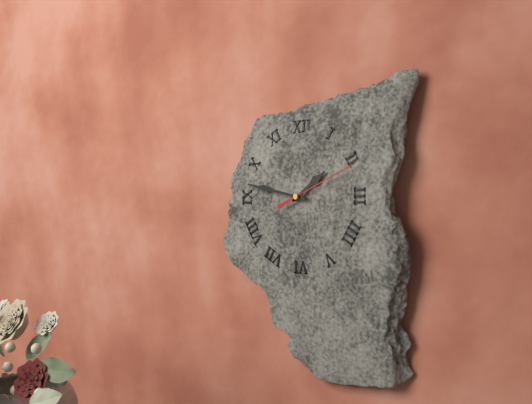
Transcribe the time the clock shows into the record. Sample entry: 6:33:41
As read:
1:47:11
